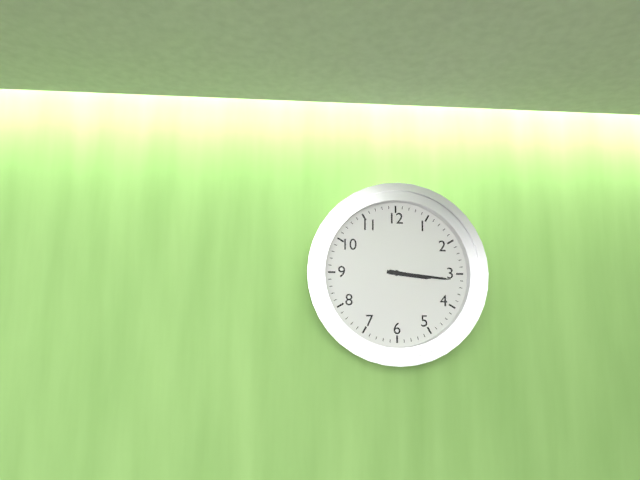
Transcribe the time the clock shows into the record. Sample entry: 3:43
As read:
3:16
